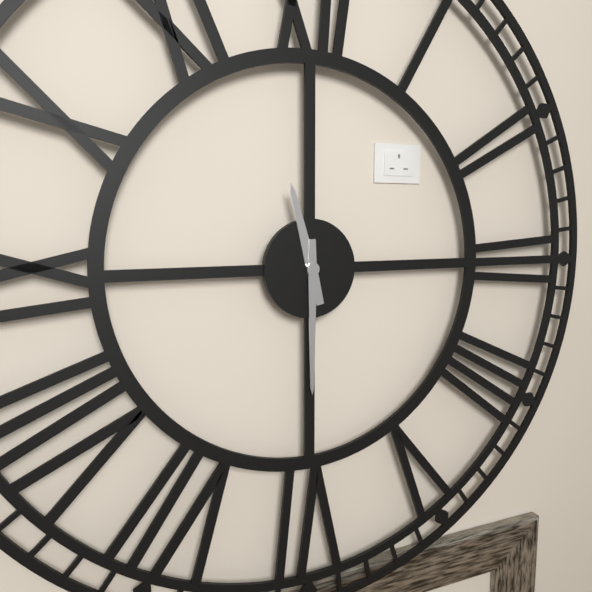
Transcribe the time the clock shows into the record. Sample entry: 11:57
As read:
11:30
